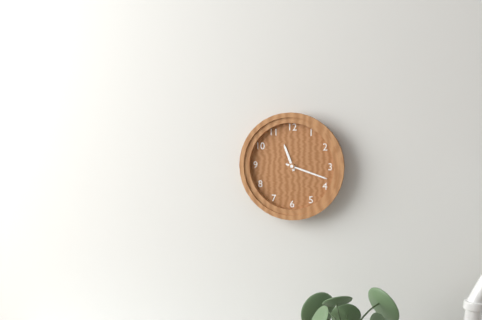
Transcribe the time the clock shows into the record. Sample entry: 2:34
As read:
11:18
